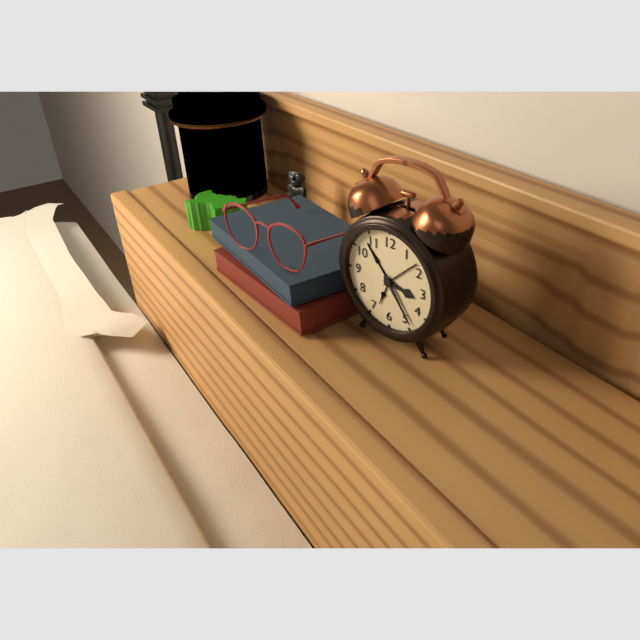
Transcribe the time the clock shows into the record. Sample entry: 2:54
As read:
3:24
